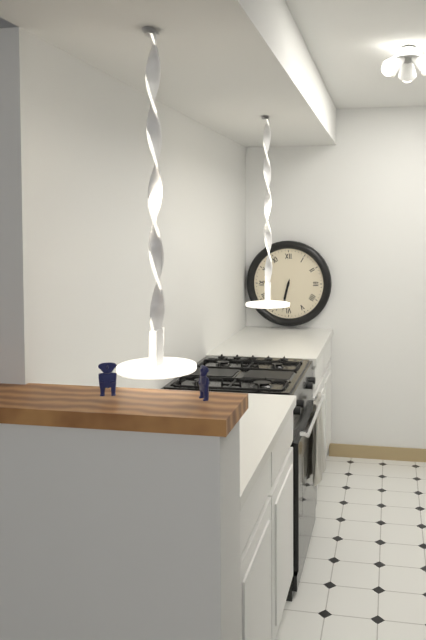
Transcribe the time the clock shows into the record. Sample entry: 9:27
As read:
6:32
